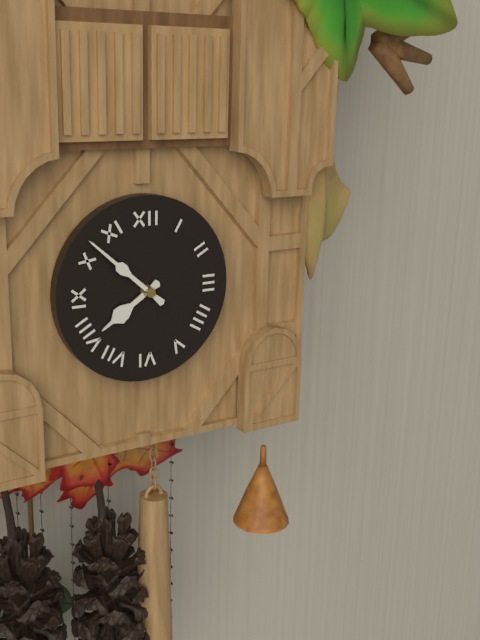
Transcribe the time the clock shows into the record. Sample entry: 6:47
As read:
7:52
